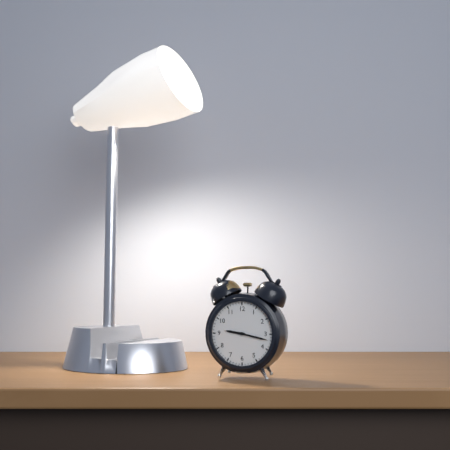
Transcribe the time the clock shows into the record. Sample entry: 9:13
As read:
9:17
